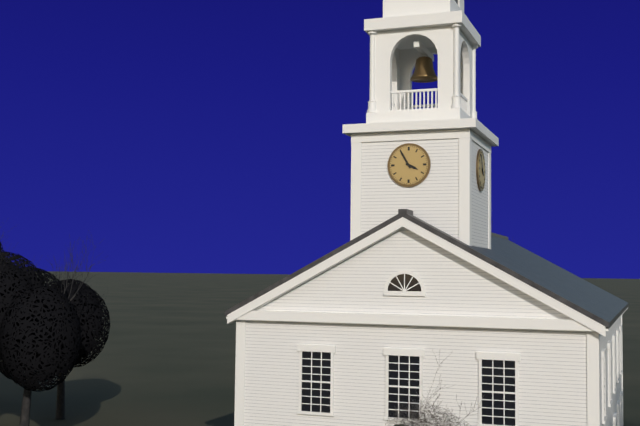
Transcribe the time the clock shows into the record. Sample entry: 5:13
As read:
3:55
